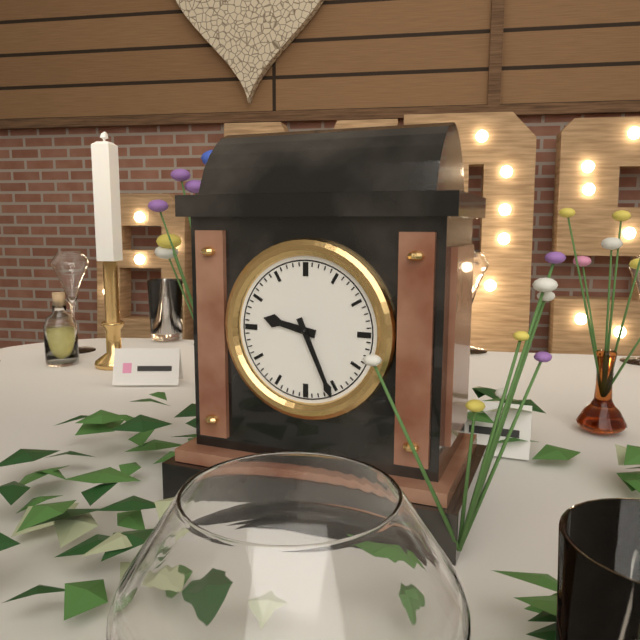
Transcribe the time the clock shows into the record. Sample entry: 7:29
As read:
9:26
